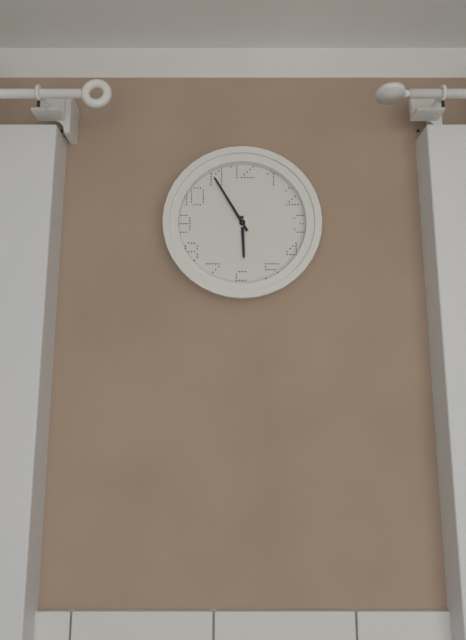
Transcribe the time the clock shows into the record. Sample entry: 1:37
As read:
5:55
